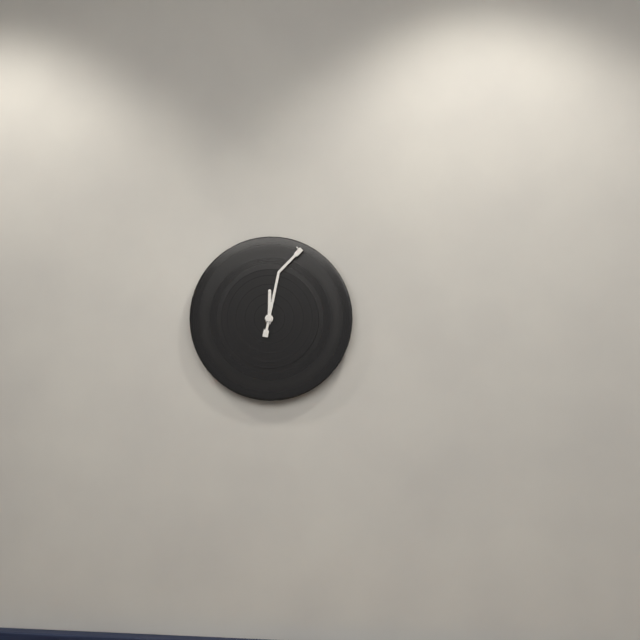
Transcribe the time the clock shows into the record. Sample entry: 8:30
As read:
12:02
